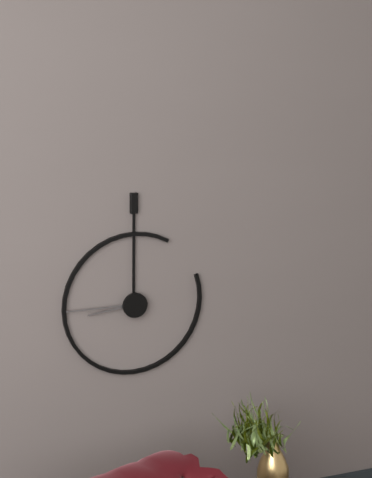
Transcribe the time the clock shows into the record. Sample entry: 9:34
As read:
8:45
